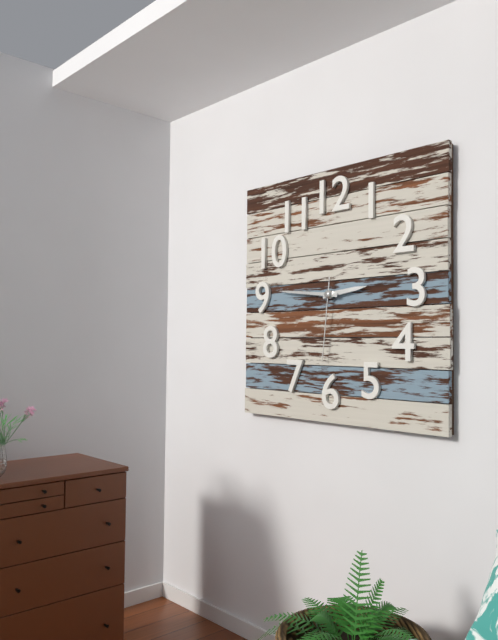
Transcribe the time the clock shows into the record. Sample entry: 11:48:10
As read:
2:46:31
